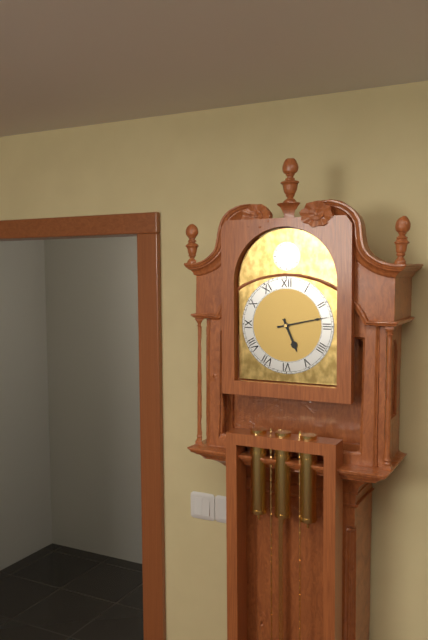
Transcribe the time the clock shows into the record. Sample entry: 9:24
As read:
5:13
